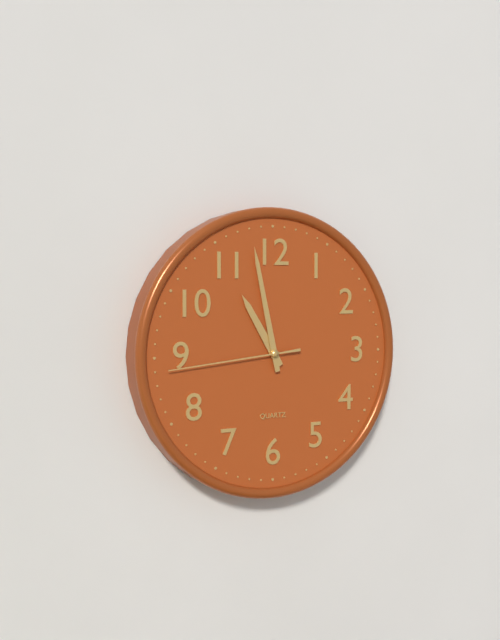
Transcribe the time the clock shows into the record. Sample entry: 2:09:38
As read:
10:58:44
